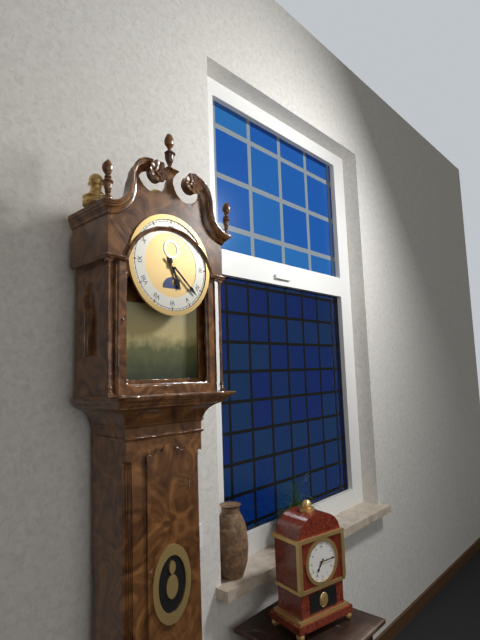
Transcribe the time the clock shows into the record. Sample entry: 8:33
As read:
5:22
